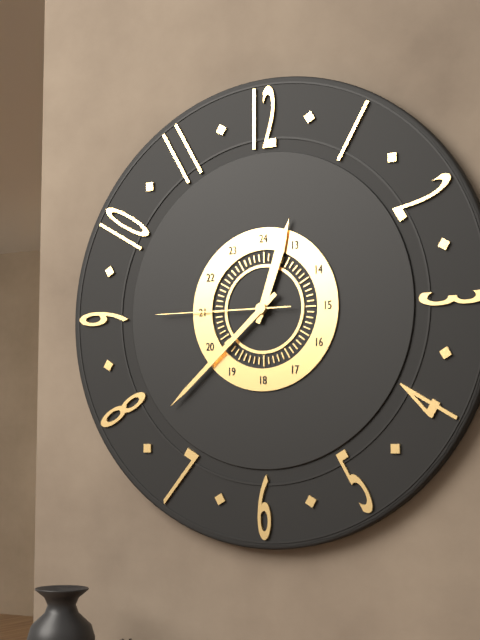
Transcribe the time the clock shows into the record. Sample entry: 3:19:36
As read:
12:38:45
